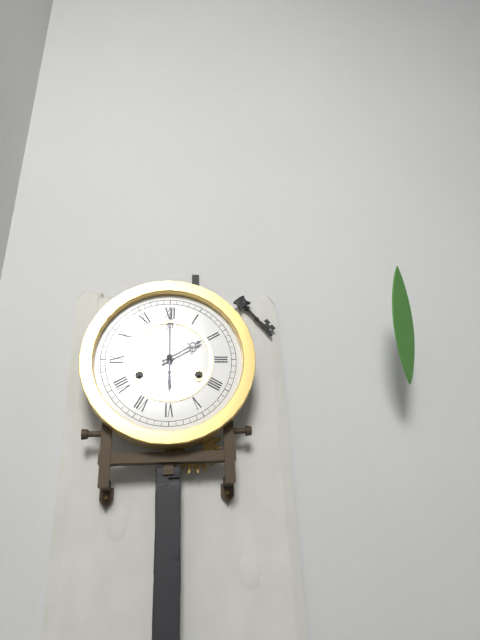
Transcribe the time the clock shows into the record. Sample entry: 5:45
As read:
2:00
